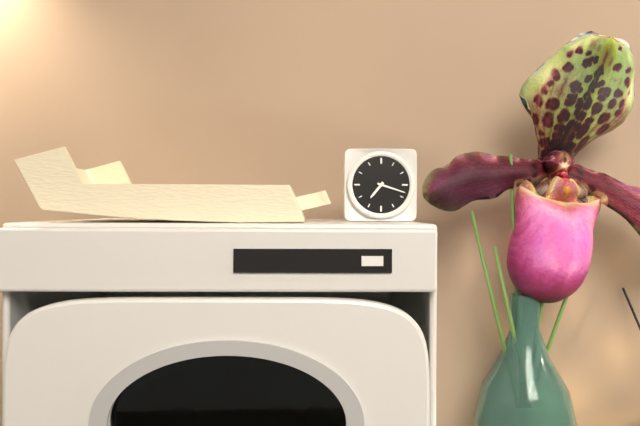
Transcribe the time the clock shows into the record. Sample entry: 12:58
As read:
7:18
